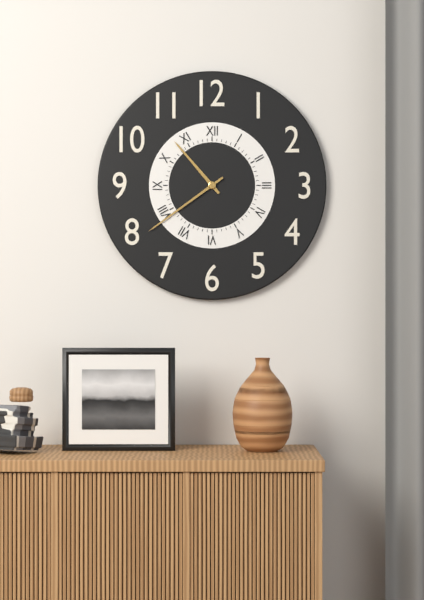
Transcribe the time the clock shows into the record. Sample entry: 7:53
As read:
10:39
